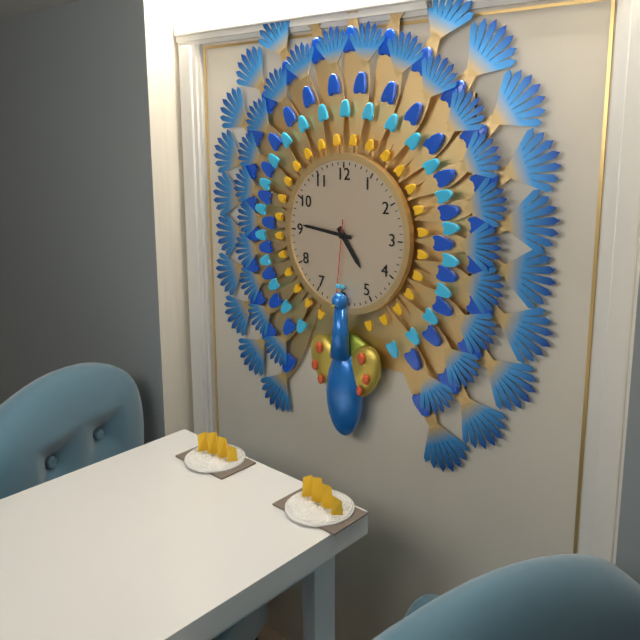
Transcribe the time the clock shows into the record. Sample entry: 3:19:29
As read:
4:46:31
